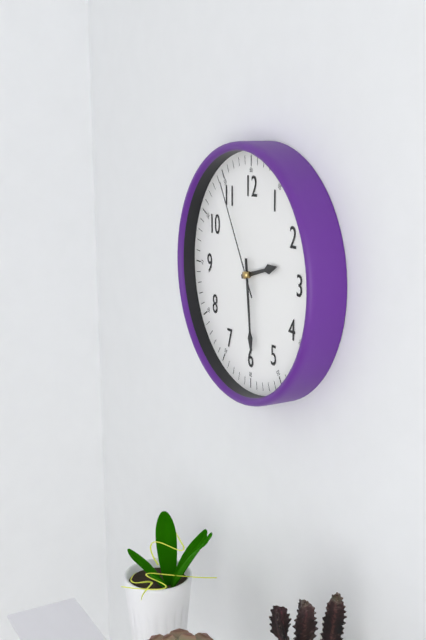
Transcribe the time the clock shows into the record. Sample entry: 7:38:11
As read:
2:29:55
